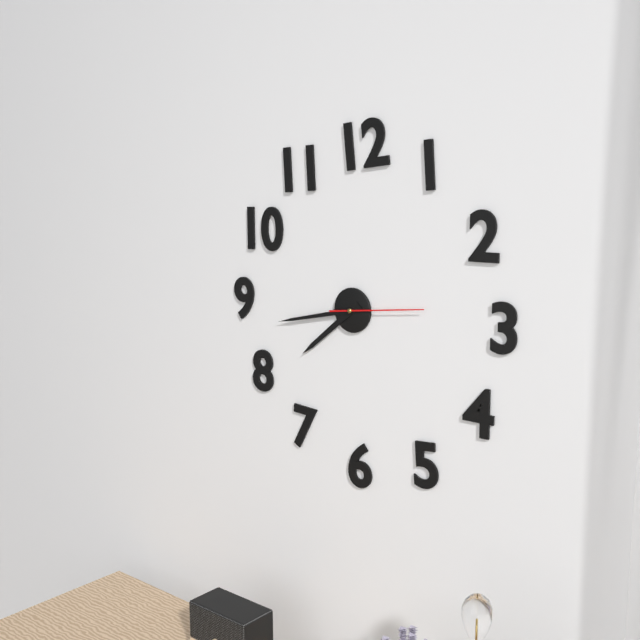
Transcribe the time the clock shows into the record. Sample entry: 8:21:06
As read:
7:43:14
